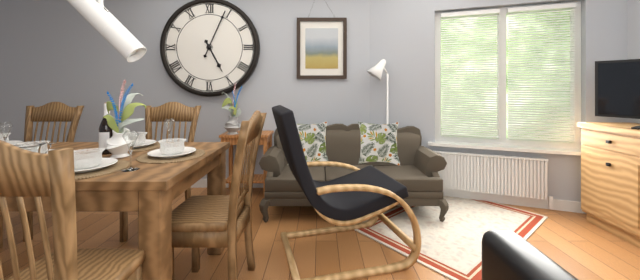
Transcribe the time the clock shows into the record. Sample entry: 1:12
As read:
5:04
